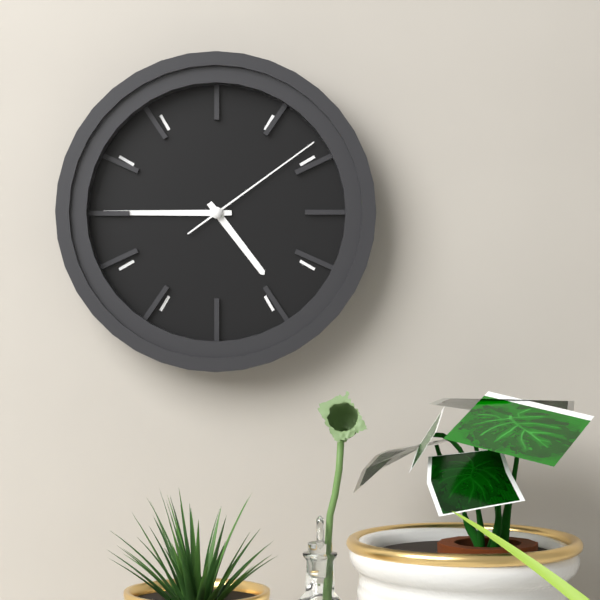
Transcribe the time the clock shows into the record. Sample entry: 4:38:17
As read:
4:45:09
